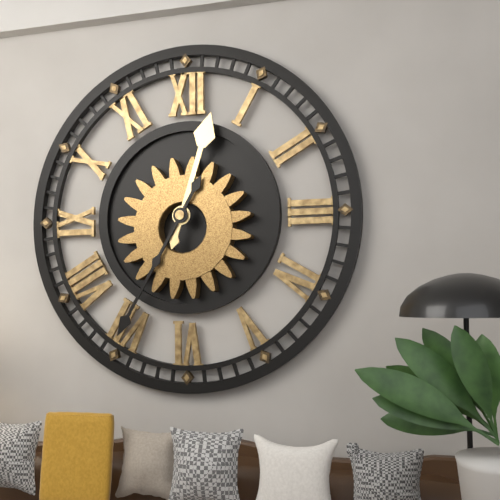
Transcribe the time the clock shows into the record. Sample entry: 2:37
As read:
12:35
